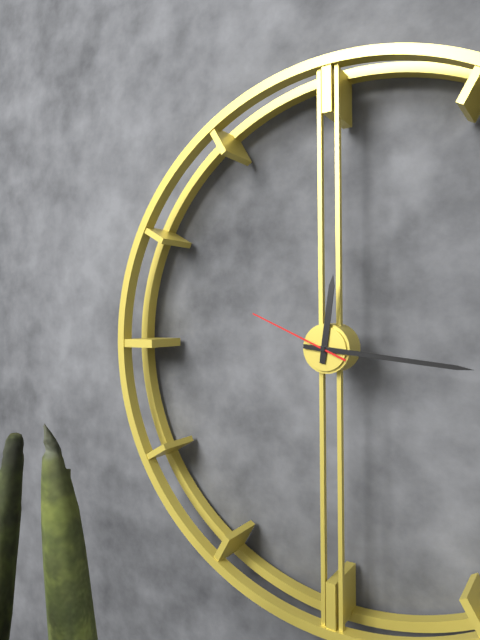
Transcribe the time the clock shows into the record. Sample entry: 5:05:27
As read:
12:16:49
